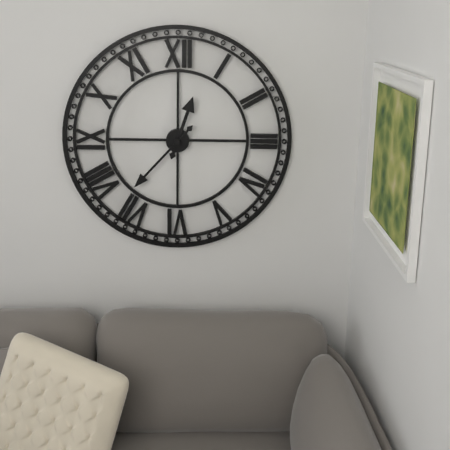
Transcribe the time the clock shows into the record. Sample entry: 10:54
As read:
12:37
